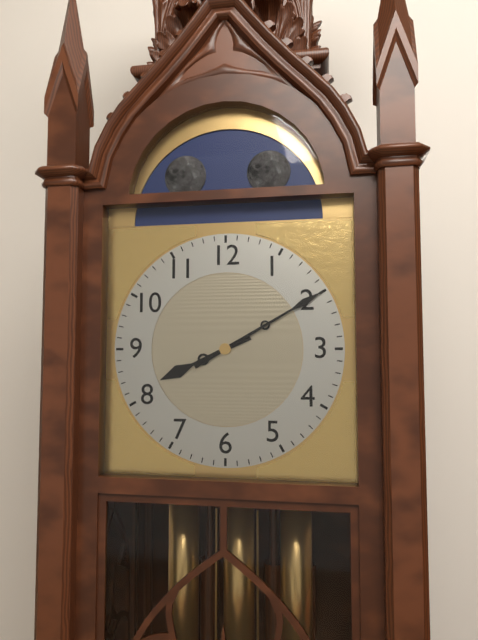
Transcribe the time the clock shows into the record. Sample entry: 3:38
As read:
8:10
